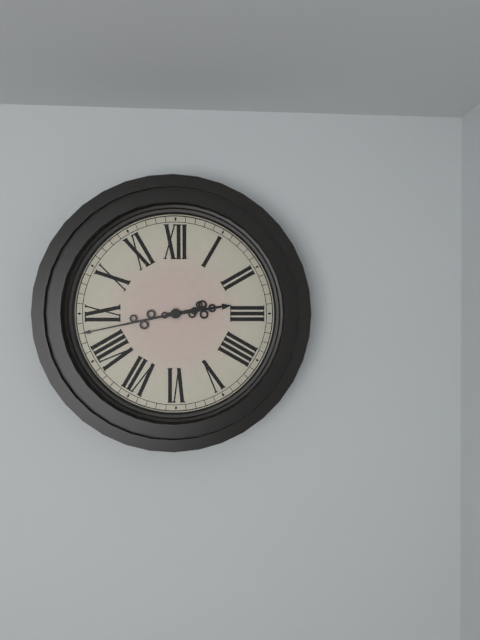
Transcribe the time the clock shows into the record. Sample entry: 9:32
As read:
2:43
